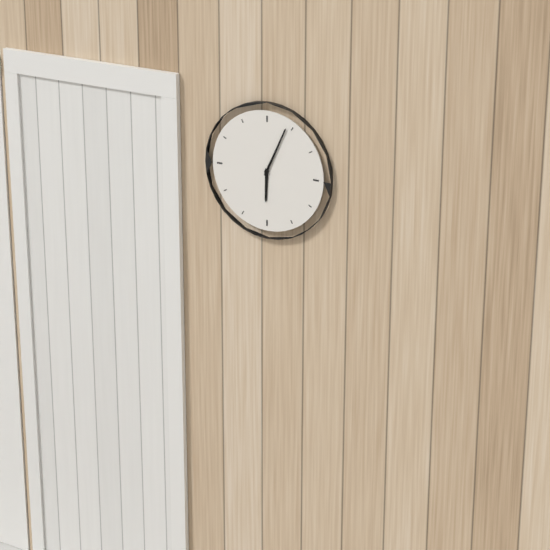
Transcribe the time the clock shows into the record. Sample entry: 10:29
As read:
6:04
